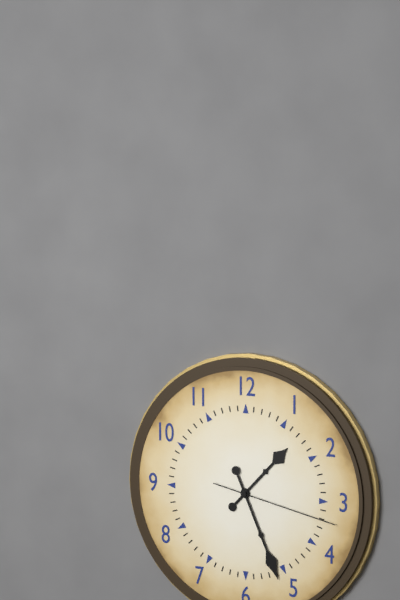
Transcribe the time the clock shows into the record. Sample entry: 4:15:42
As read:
1:26:17
